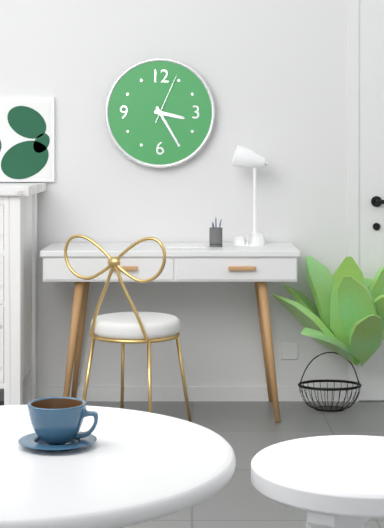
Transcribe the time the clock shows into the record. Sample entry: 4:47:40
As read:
3:25:04
